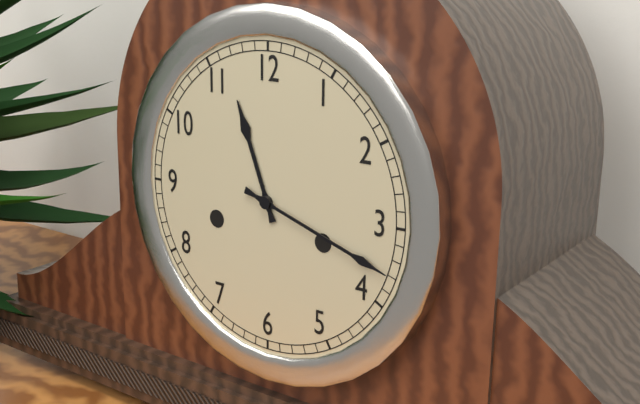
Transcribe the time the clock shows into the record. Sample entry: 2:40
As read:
11:18
